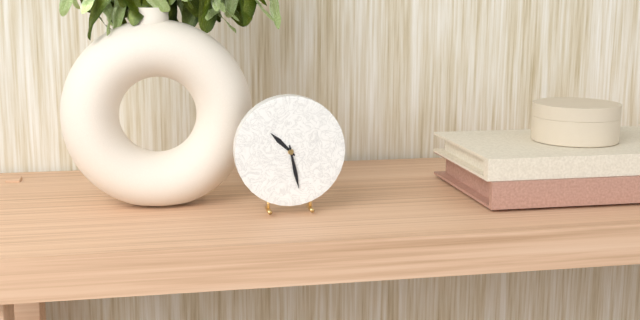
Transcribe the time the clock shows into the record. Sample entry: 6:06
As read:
10:28
